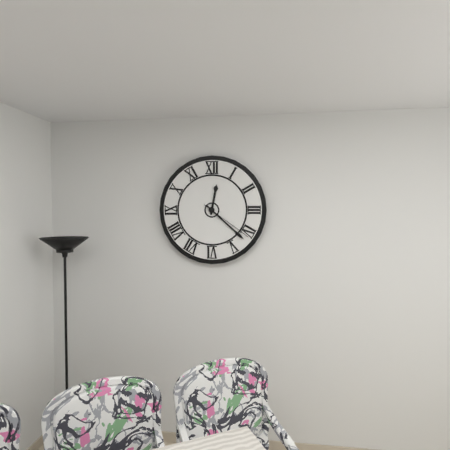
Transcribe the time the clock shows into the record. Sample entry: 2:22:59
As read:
12:22:21
